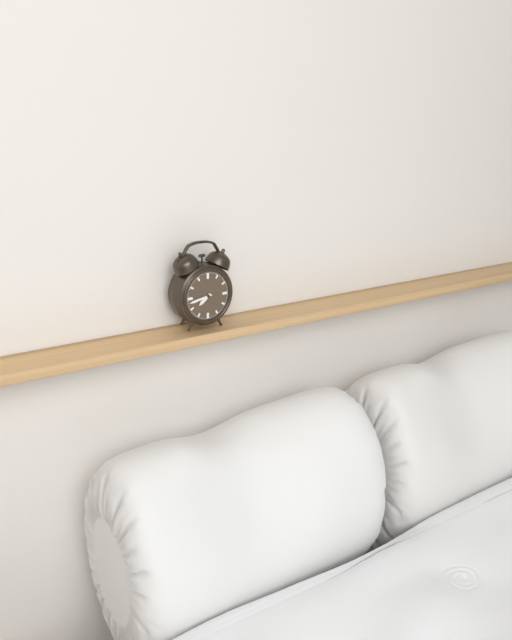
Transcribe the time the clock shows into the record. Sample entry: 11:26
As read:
7:43
